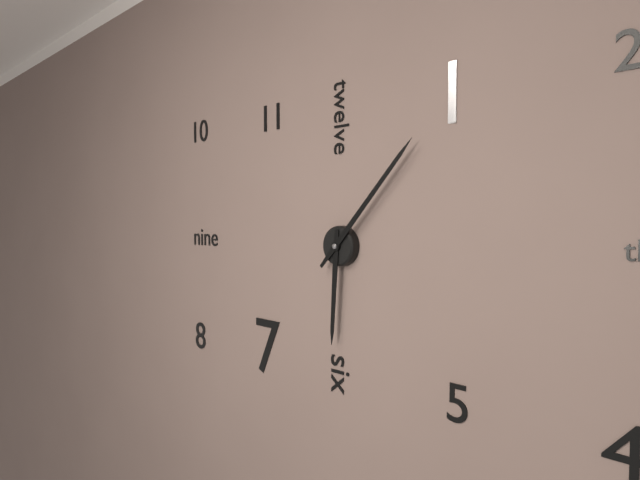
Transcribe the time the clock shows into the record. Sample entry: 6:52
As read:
6:07
